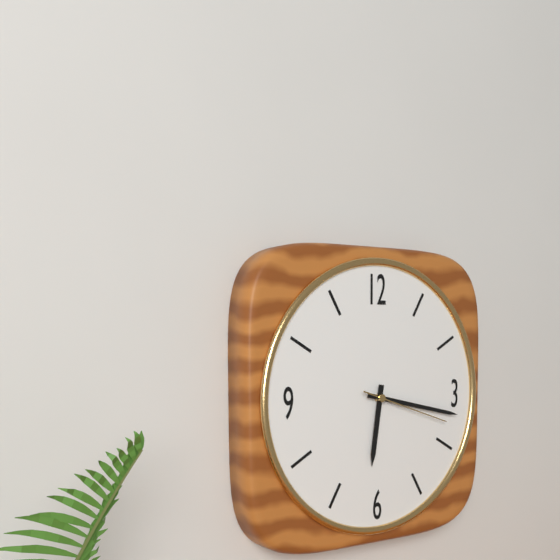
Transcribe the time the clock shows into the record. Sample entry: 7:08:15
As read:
6:17:18
